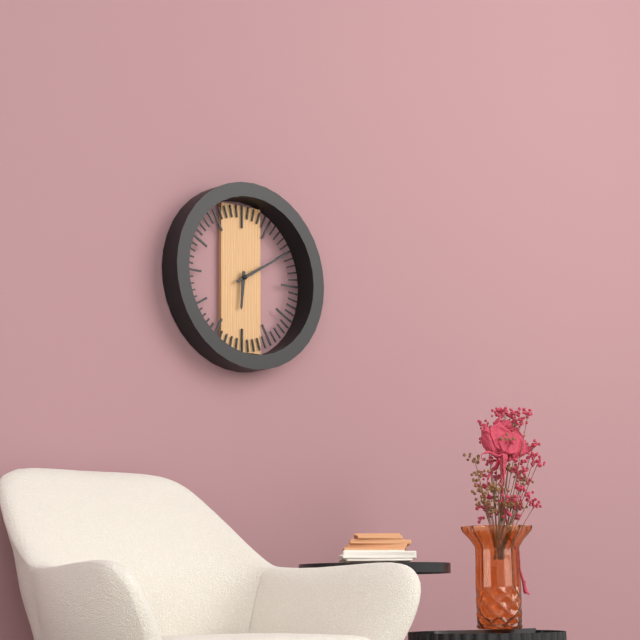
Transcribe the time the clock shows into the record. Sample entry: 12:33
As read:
6:10
